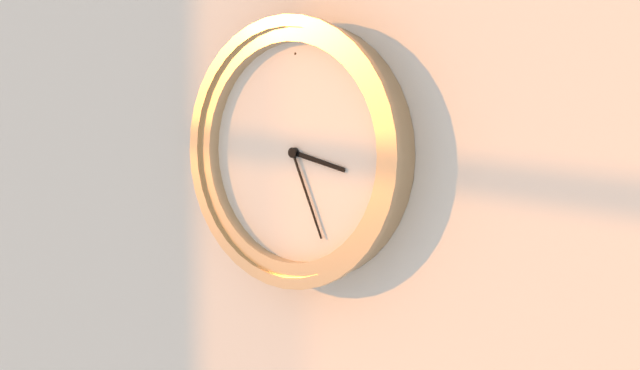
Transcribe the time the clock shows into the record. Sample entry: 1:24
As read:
3:26
